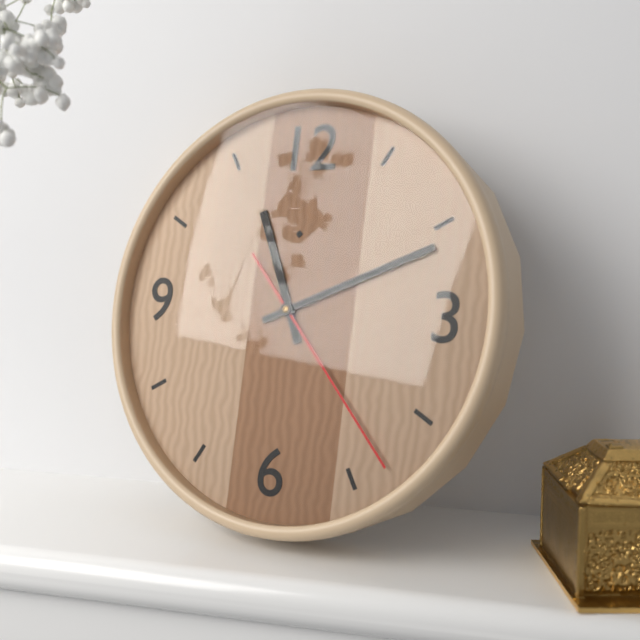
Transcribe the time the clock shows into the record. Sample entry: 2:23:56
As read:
11:11:23
